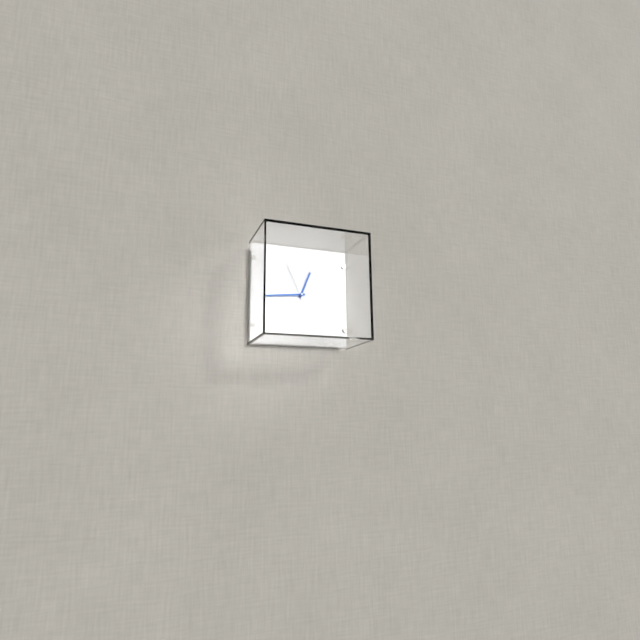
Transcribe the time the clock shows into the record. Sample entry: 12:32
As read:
12:44
